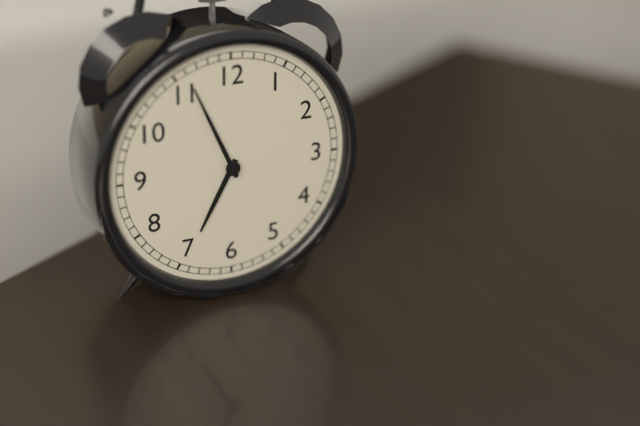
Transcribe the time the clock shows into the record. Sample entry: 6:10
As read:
6:56
